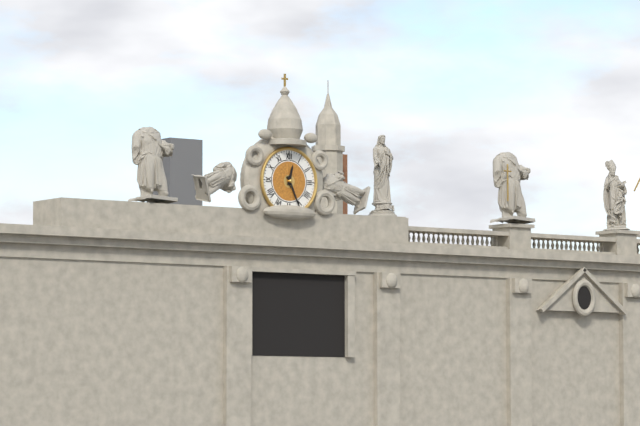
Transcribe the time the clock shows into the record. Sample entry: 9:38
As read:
12:26
